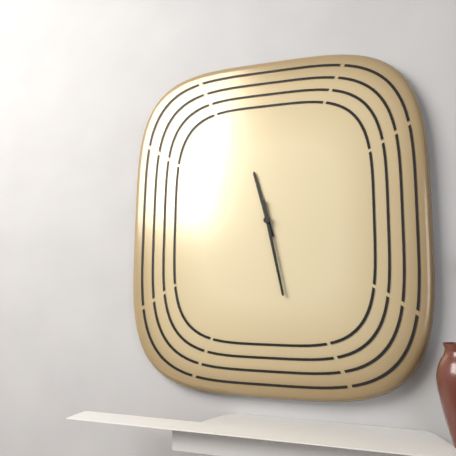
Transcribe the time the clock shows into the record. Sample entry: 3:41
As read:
11:28
